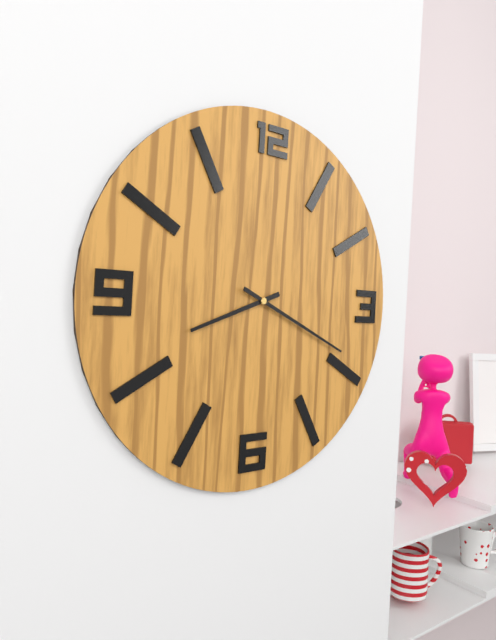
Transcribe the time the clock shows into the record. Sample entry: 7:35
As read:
8:19
